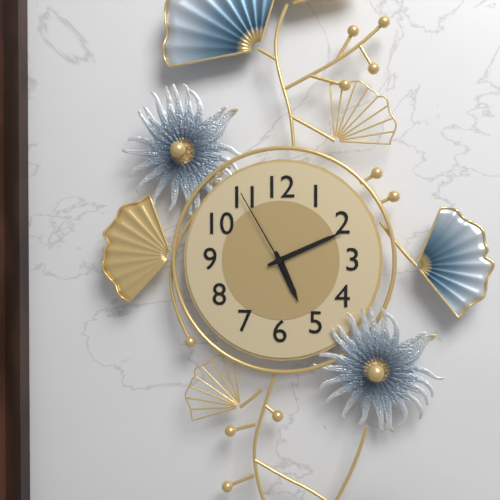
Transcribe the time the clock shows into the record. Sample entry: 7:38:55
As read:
5:11:55
